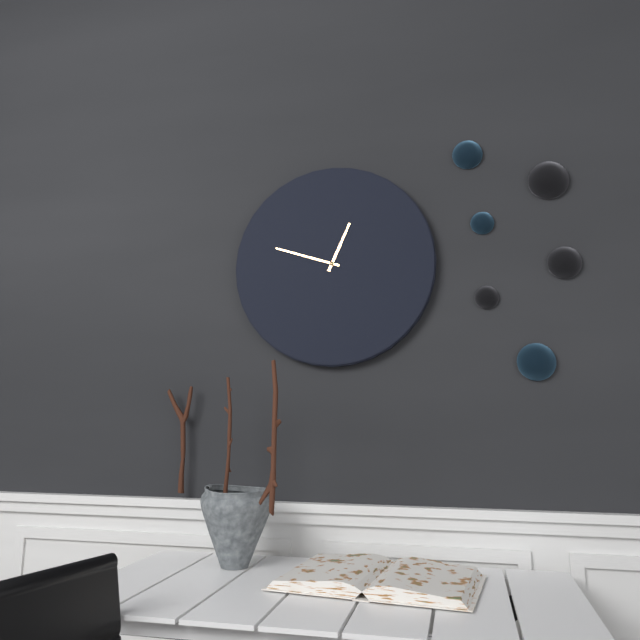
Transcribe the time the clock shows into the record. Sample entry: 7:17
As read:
12:48
